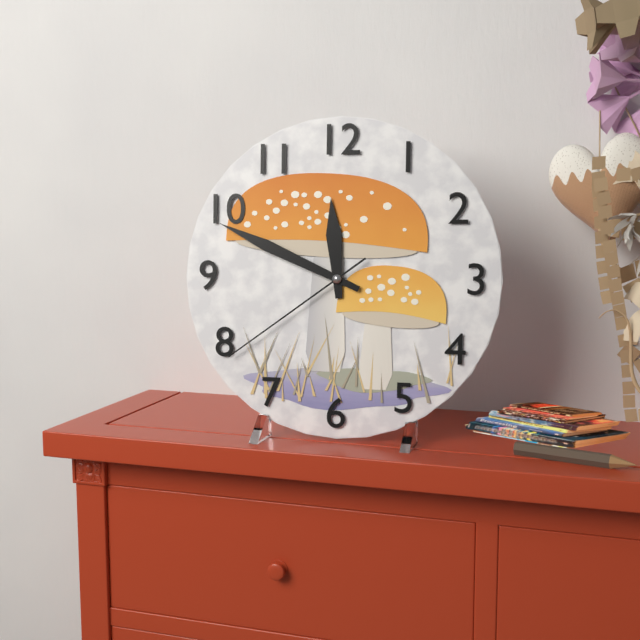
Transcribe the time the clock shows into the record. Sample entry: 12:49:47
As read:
11:49:39
